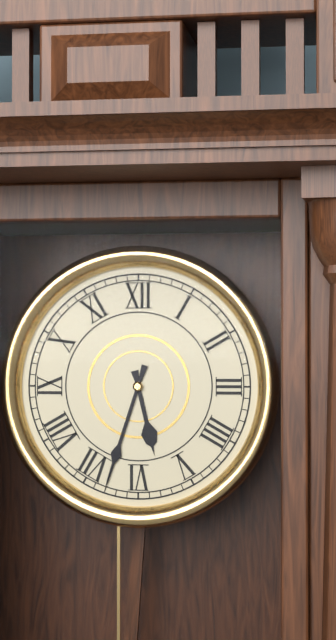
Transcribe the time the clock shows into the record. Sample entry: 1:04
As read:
5:33
